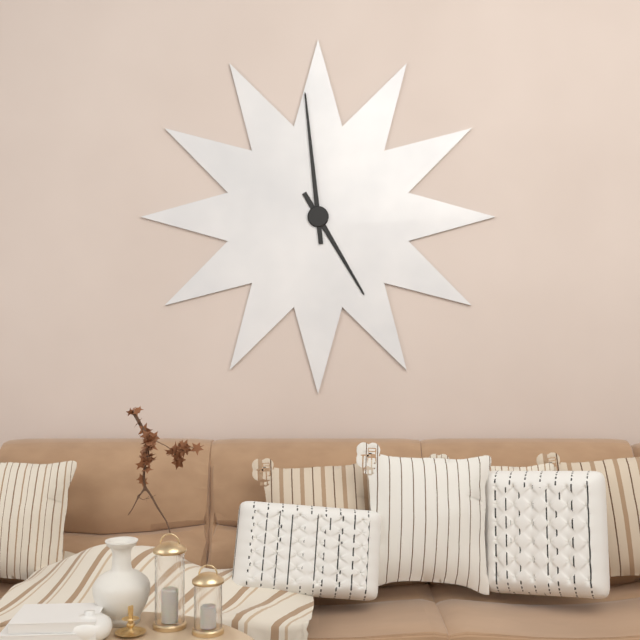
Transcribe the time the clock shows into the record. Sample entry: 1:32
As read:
4:59
